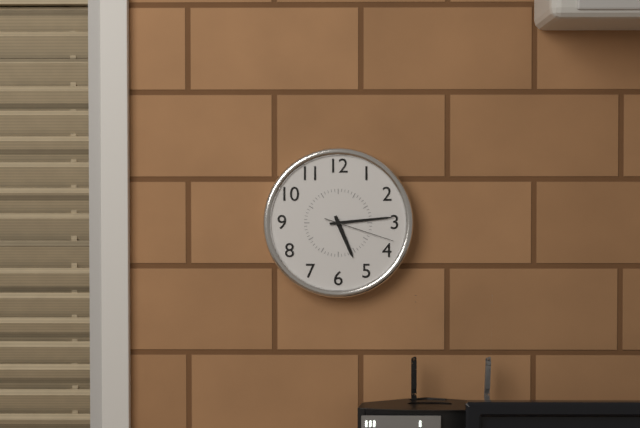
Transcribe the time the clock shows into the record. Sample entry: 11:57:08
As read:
5:14:18
